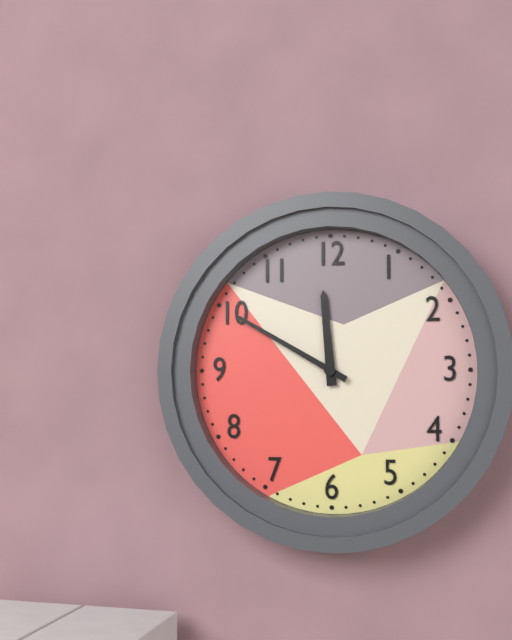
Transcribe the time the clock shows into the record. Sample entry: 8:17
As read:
11:50
